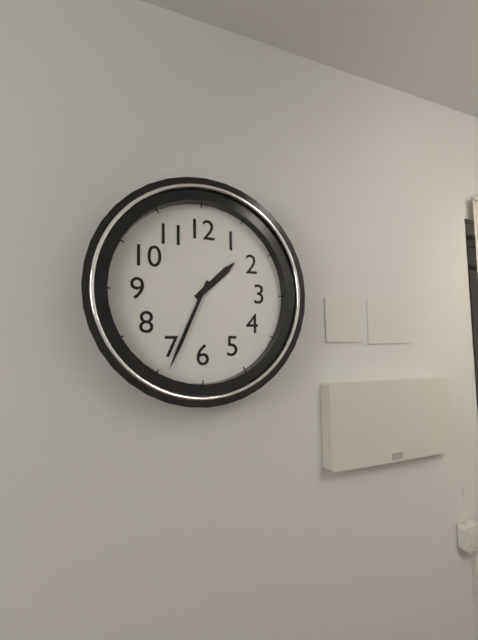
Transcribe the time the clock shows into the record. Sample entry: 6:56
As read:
1:34
